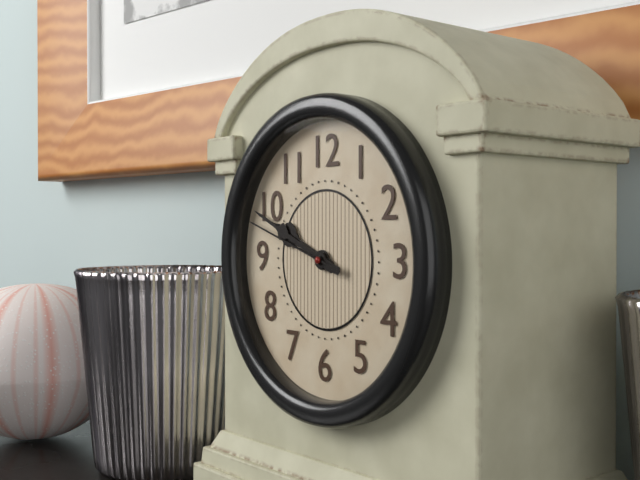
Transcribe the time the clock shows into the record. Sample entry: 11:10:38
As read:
9:49:48
